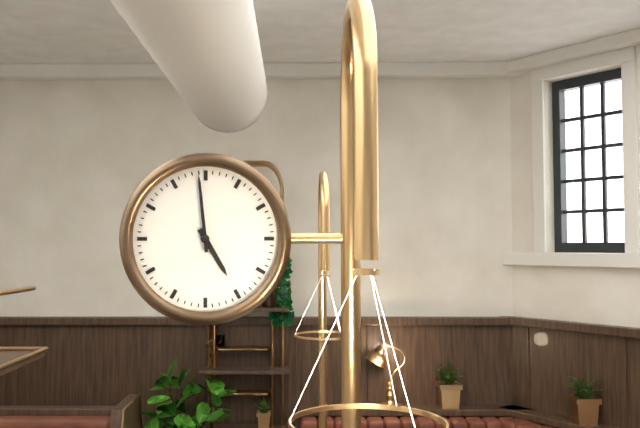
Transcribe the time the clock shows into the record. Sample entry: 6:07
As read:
4:59
